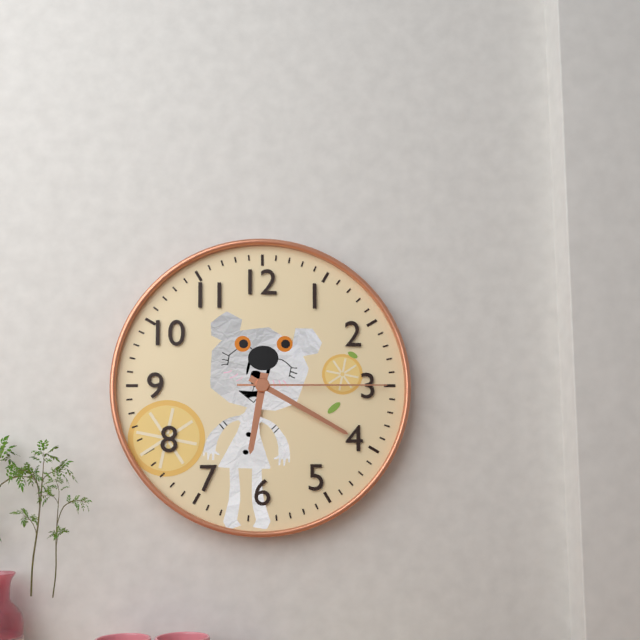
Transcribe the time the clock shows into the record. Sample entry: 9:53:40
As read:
6:20:15
